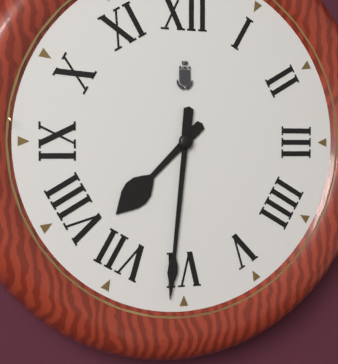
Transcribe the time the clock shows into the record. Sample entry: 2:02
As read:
7:31
